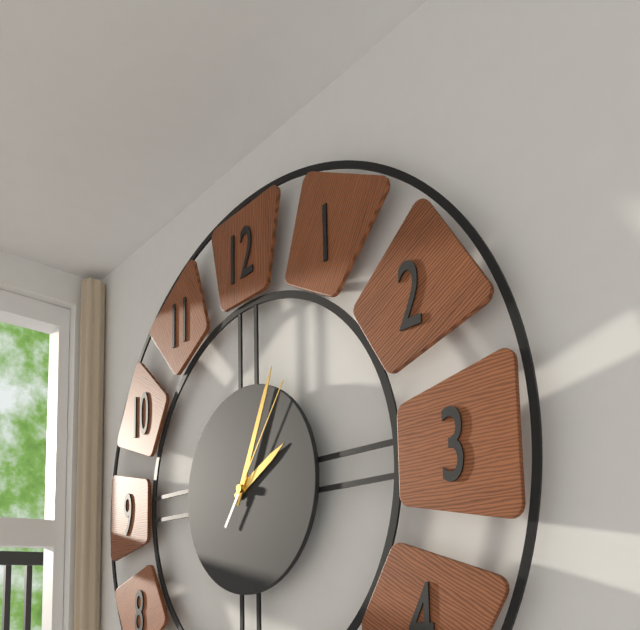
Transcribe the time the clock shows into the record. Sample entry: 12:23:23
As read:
2:04:06
